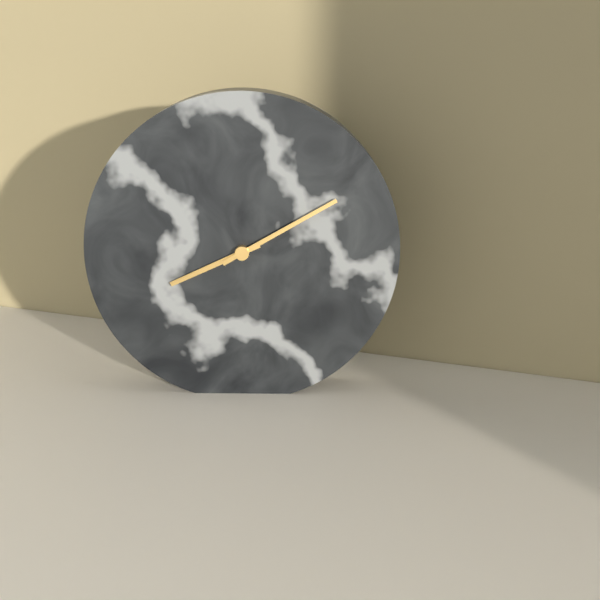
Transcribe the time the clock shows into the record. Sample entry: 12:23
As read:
8:10
